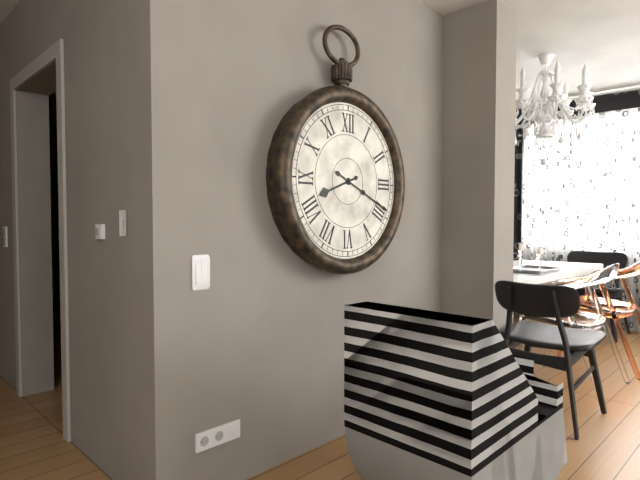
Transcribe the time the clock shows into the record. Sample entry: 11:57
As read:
8:19
